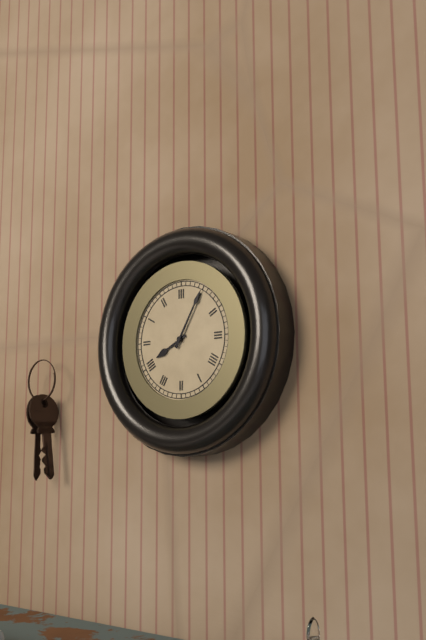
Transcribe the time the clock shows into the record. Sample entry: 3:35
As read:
8:05
